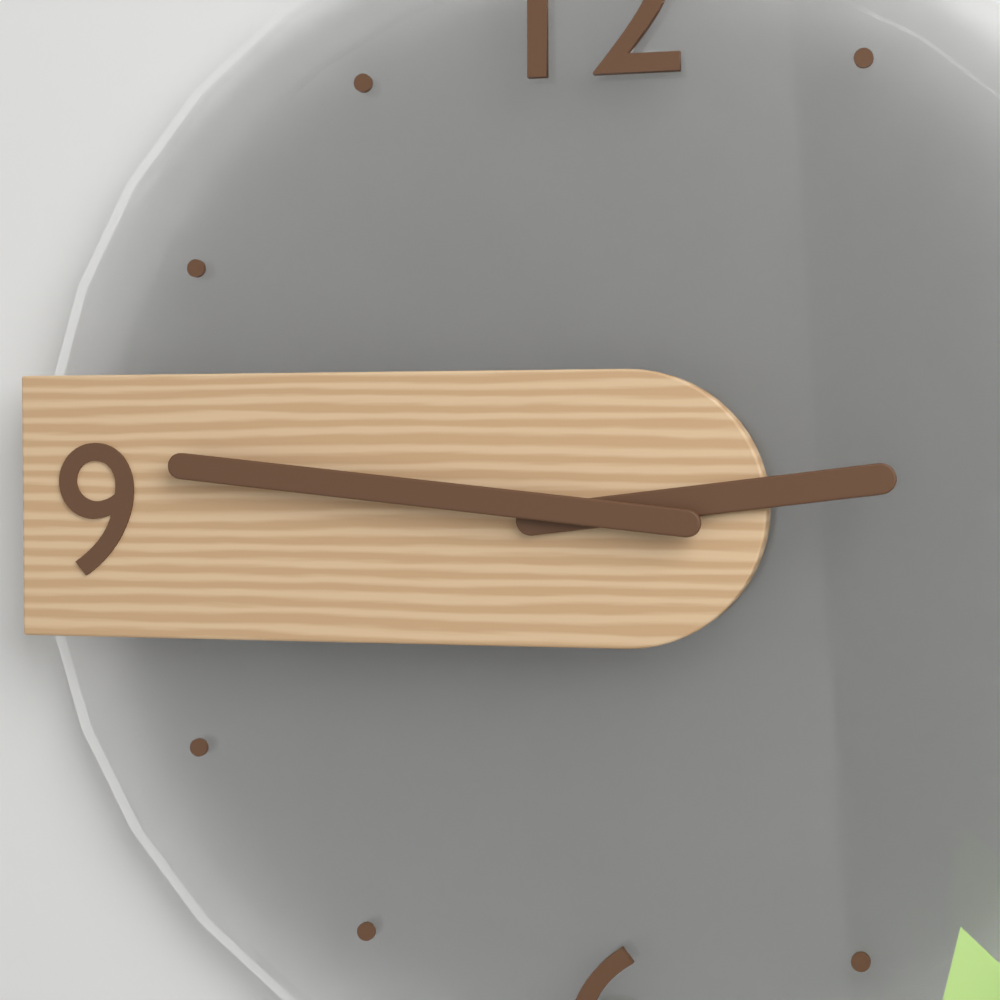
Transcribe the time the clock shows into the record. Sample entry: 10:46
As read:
2:46
